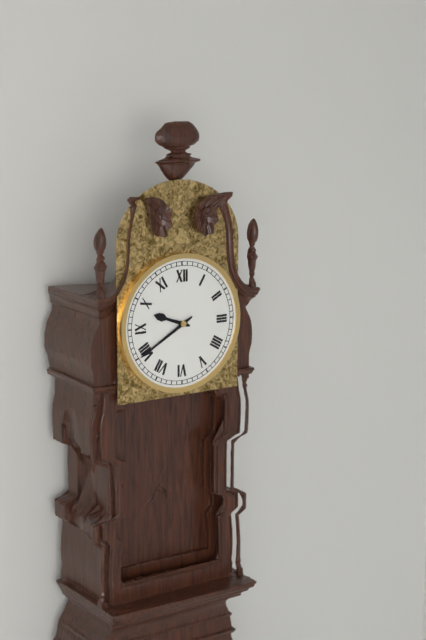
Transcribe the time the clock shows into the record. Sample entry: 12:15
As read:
9:40
